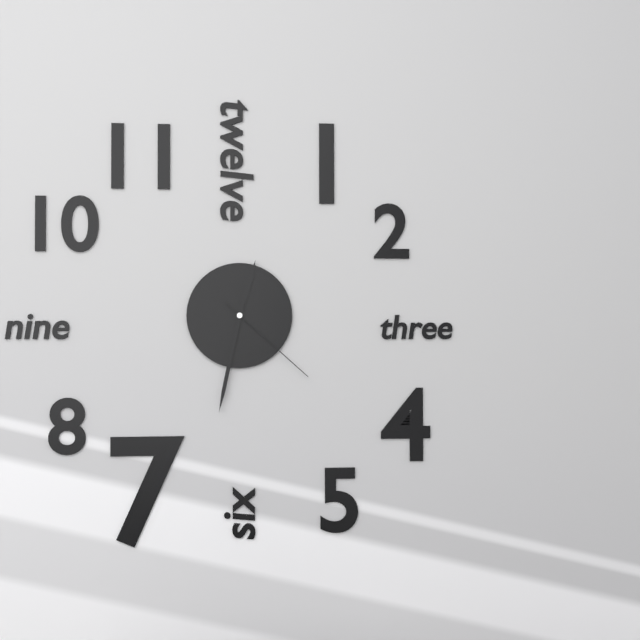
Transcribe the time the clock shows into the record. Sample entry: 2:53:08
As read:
12:32:22
